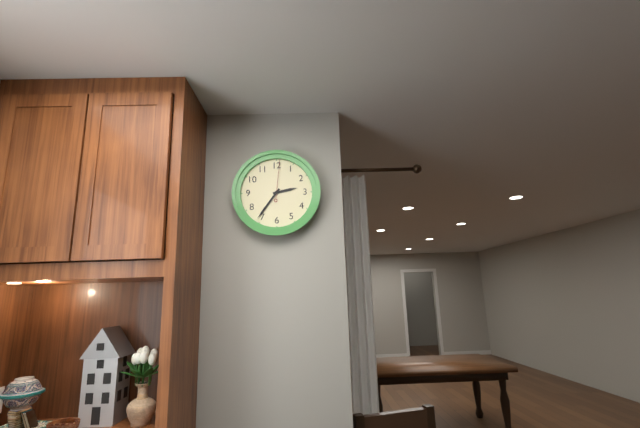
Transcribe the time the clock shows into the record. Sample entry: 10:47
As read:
2:36
